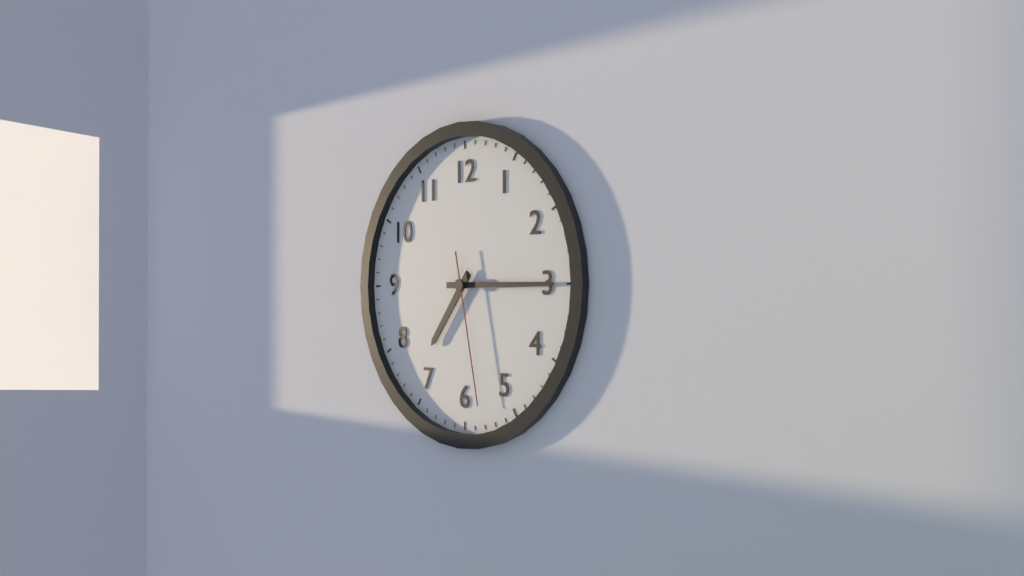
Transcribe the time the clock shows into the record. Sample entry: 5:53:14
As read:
7:15:28
